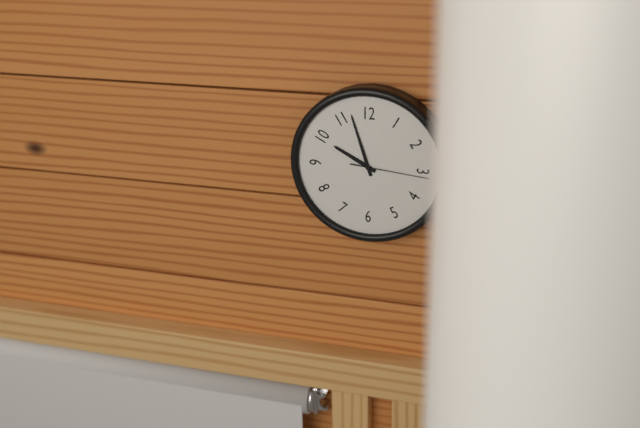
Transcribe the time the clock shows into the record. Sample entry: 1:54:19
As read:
9:57:16
